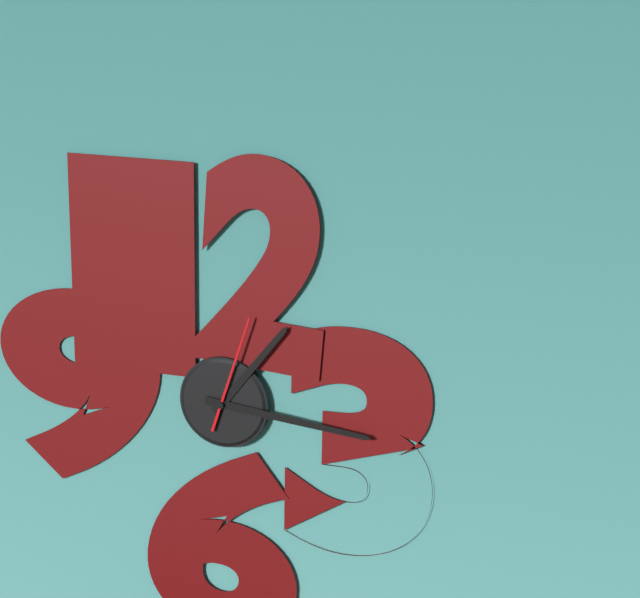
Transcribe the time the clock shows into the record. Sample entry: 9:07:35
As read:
1:16:03
